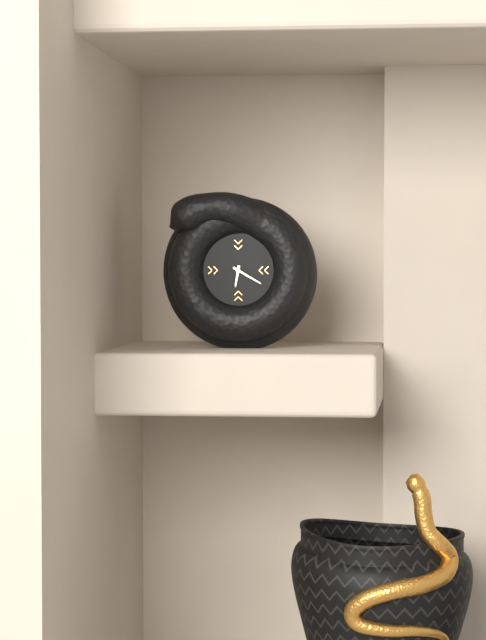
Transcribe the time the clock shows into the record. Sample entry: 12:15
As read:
6:20
